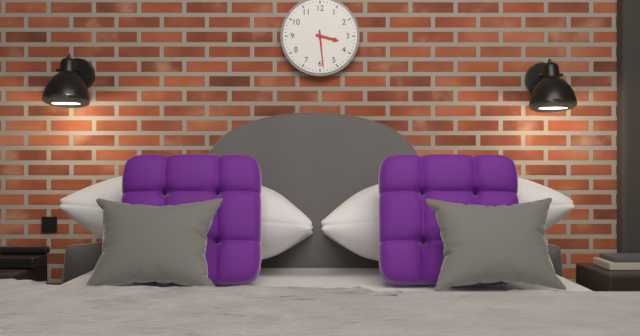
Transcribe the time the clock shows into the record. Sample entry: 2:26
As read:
3:29
